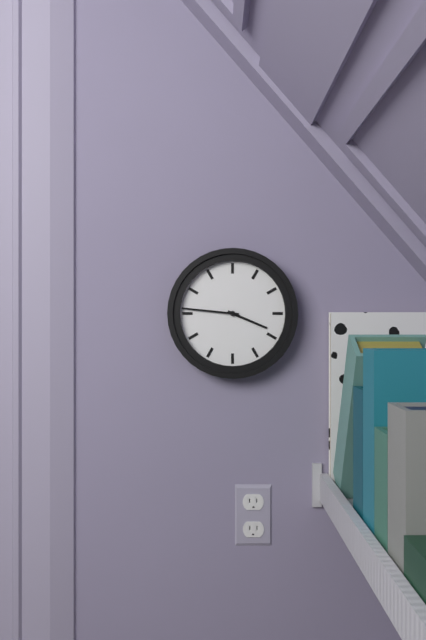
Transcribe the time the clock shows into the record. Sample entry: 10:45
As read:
3:46
